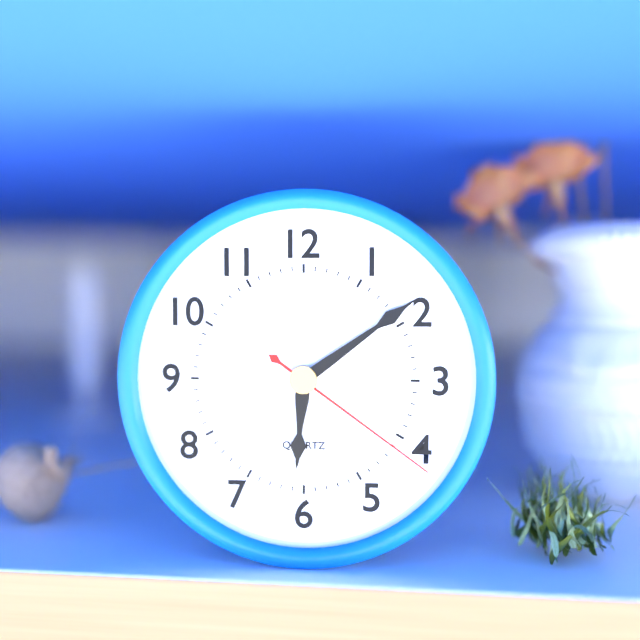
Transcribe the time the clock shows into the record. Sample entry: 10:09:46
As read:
6:09:21
